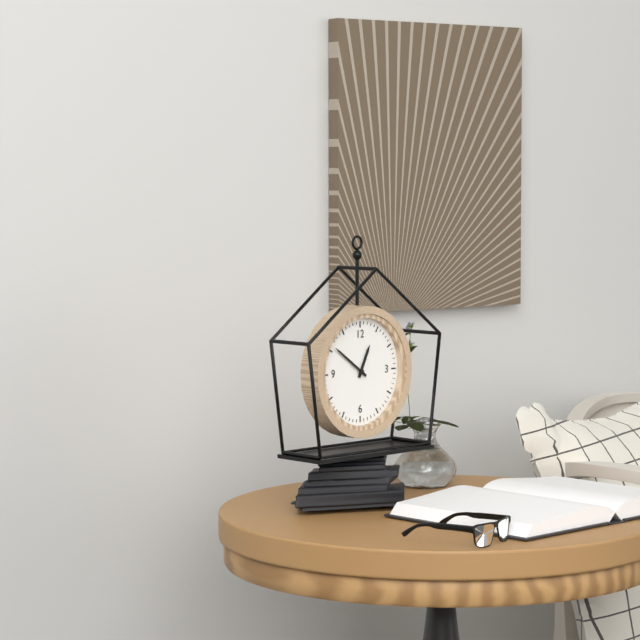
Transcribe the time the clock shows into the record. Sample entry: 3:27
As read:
12:51
